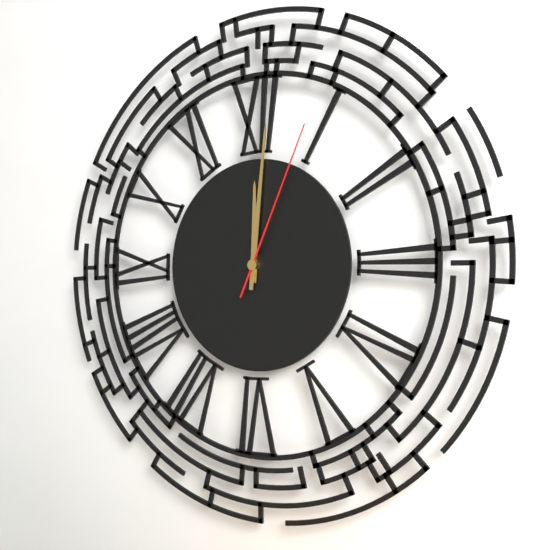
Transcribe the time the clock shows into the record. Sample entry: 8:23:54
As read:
12:01:04
